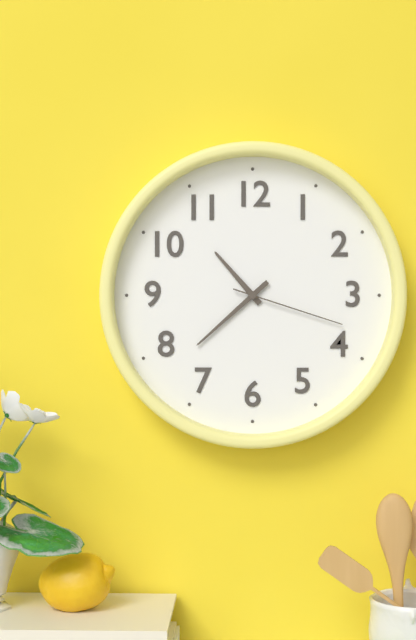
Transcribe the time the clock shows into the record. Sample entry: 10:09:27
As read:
10:38:18
